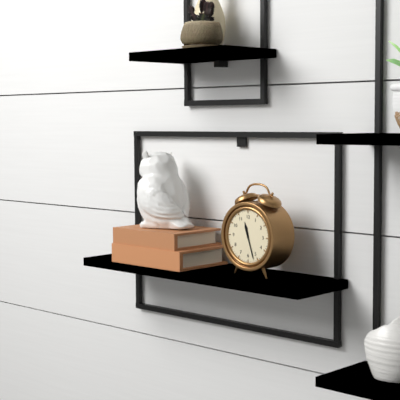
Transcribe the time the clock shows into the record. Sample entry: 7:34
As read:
11:27
